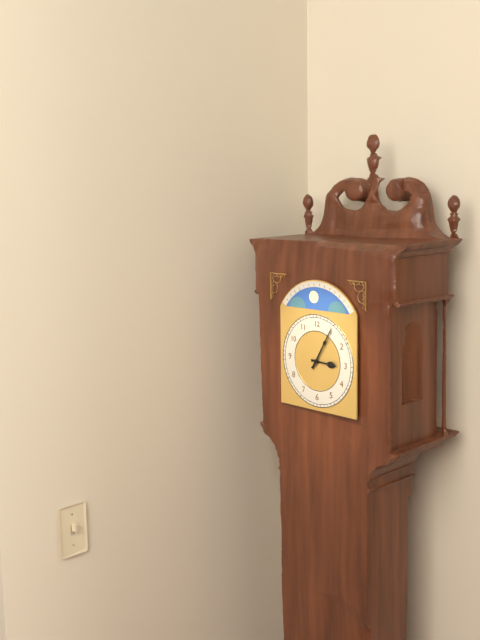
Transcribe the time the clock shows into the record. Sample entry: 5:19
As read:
3:05
